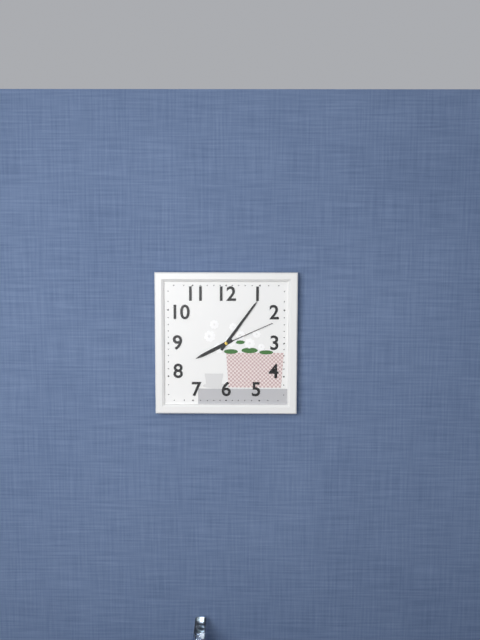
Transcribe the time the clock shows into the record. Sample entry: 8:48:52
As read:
8:06:11
